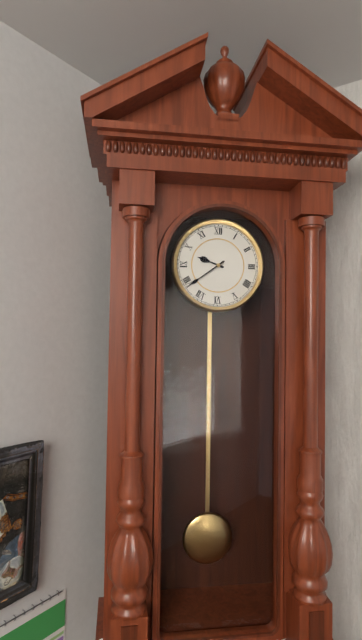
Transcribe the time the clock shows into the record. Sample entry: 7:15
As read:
9:39
